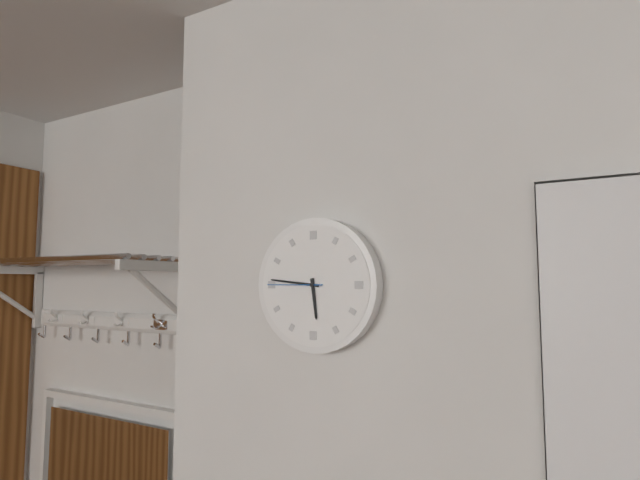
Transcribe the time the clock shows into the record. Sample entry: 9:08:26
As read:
5:46:45
